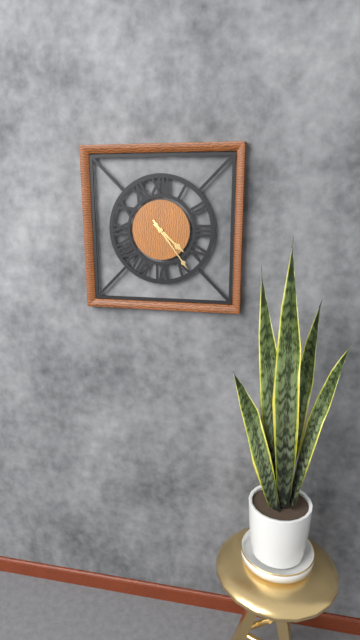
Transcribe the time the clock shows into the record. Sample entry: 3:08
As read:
4:24
